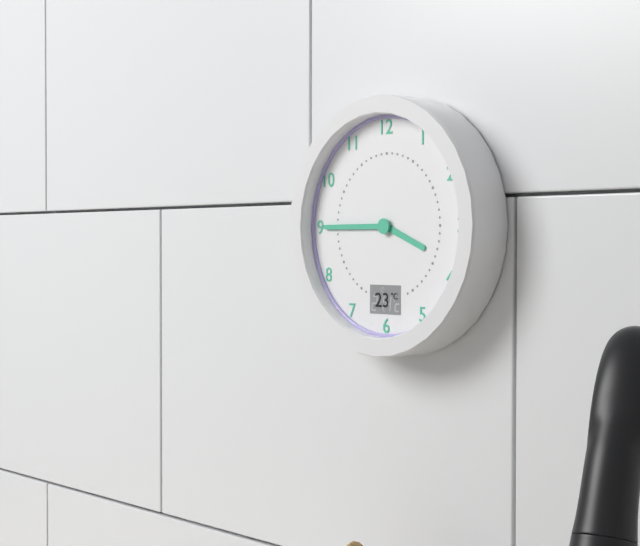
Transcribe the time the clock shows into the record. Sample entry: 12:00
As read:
3:45
